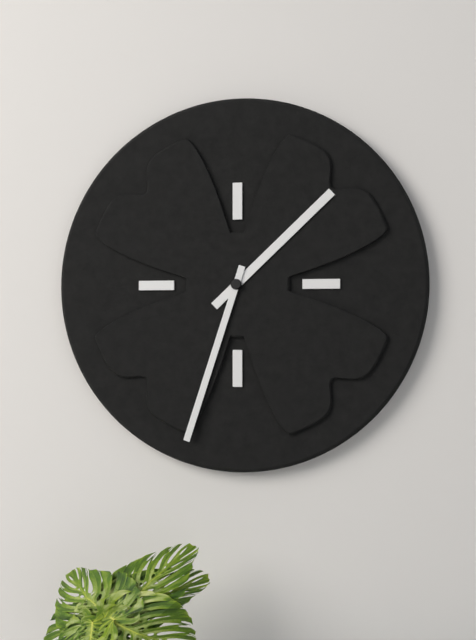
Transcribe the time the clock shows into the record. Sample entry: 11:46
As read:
1:33
